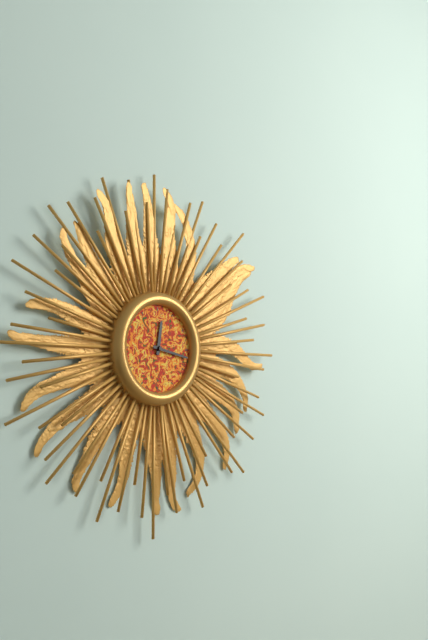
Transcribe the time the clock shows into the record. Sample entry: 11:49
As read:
12:17
